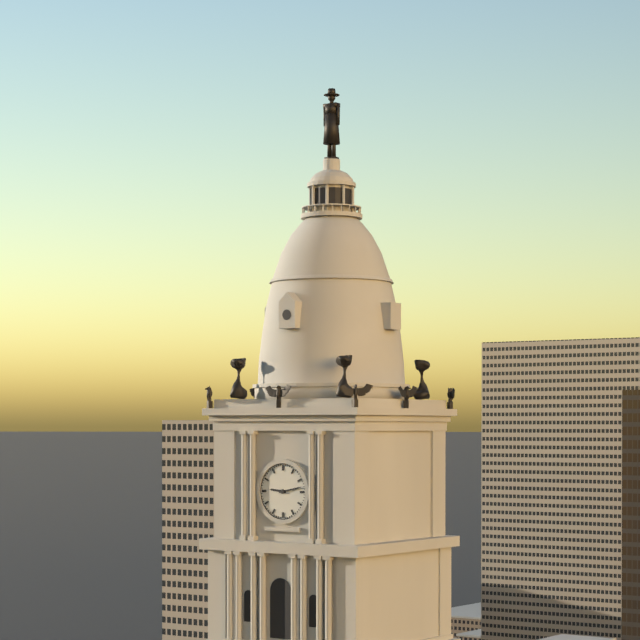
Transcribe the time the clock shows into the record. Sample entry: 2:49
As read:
9:13
